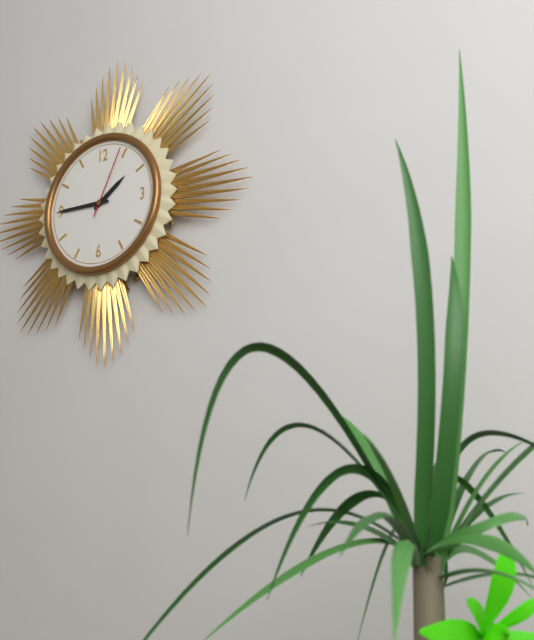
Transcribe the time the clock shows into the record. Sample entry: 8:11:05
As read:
1:45:04
